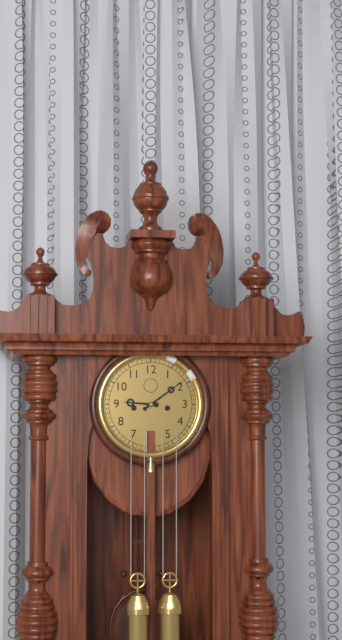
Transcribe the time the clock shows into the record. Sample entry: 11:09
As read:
9:09
